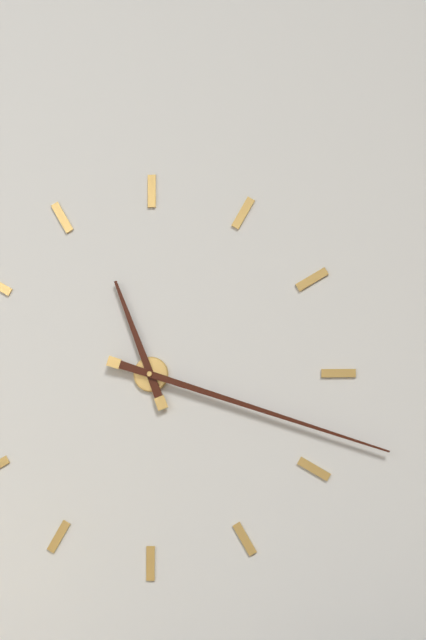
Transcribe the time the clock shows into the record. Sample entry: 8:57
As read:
11:18
